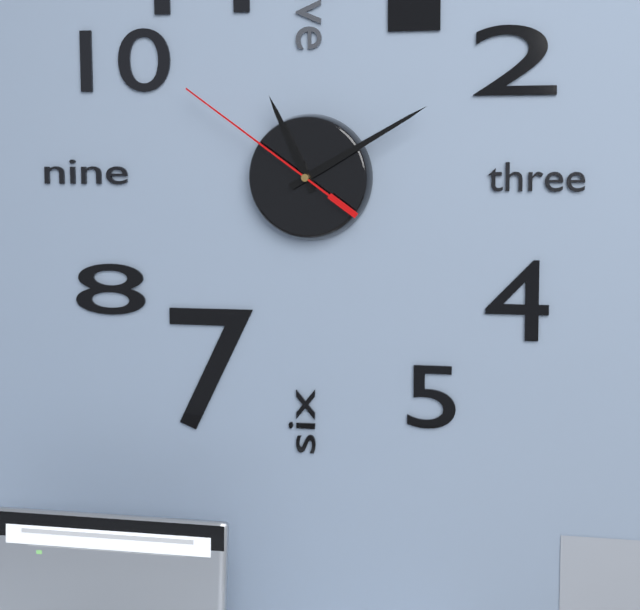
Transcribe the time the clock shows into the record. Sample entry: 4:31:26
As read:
11:10:51
